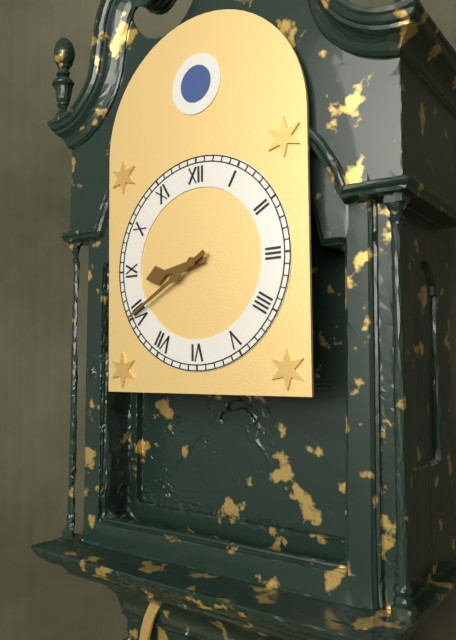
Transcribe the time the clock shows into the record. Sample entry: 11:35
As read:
8:40
